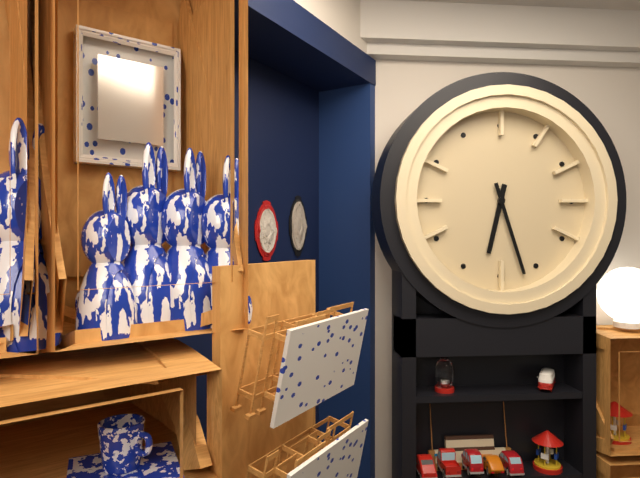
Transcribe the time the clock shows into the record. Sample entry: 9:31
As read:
6:27
